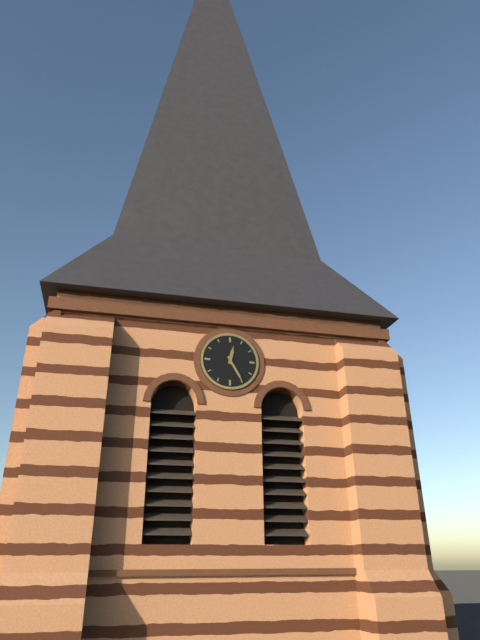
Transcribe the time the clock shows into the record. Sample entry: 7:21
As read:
12:25
